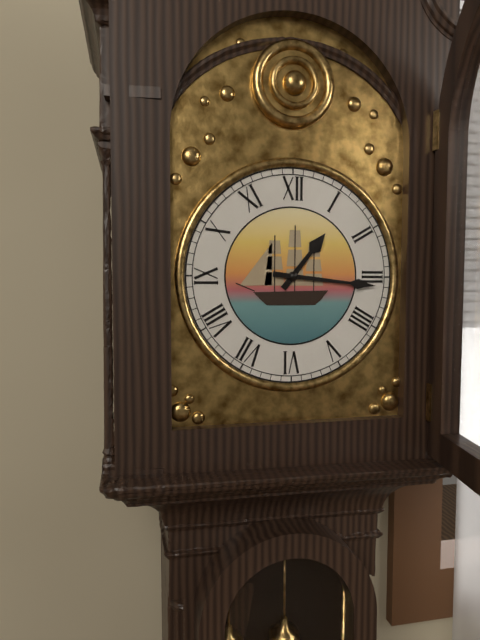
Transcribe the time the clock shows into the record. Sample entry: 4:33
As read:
1:16
